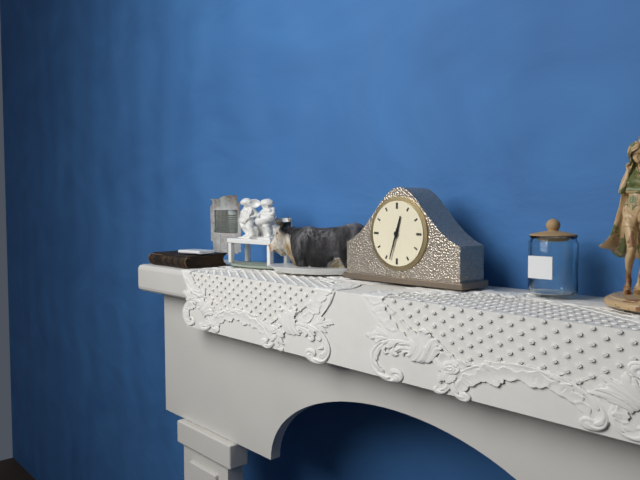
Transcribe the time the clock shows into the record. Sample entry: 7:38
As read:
12:33
